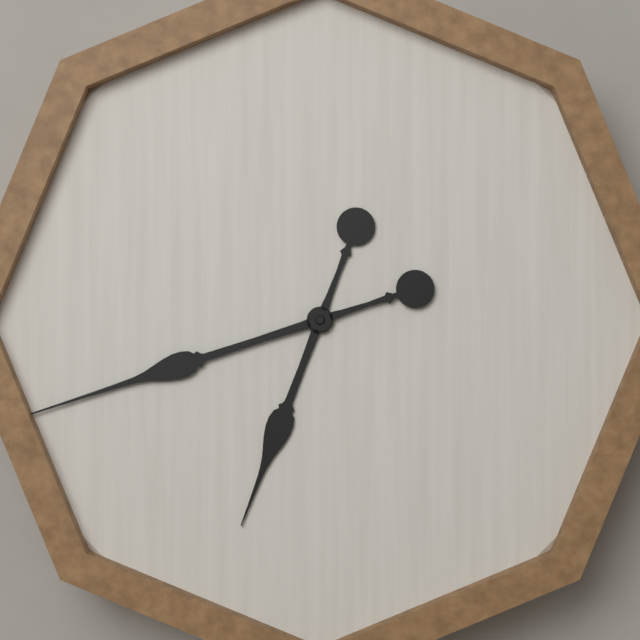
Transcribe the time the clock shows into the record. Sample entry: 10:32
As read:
6:42
